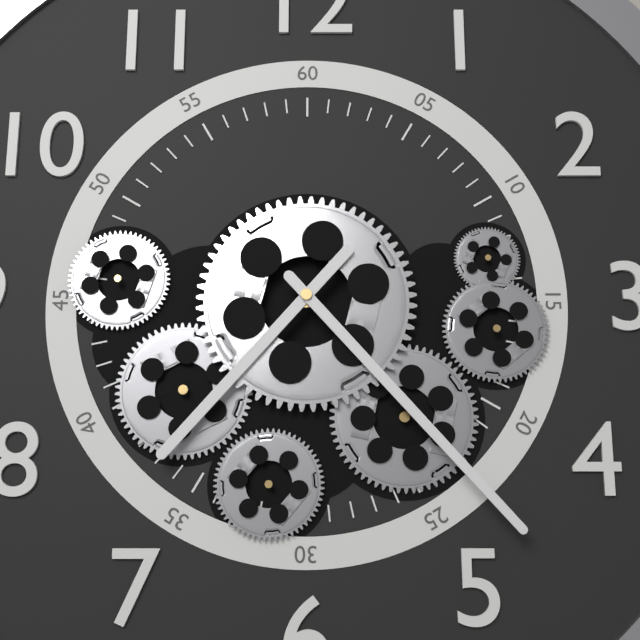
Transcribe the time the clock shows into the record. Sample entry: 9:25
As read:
7:23
